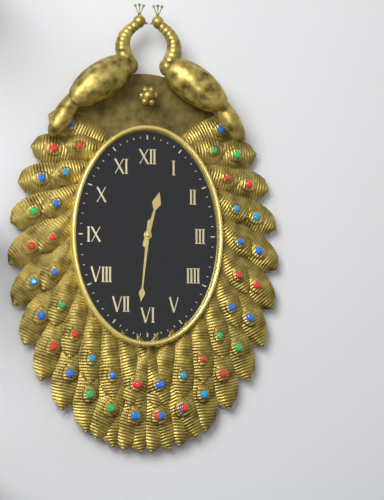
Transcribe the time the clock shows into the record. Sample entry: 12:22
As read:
12:31
